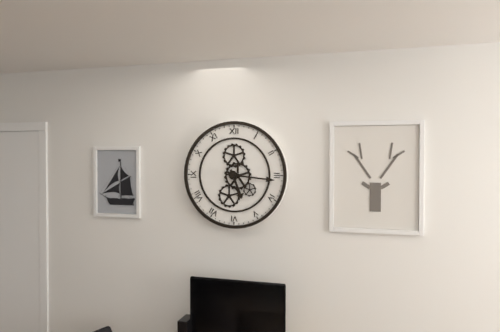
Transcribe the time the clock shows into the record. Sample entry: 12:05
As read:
5:16
